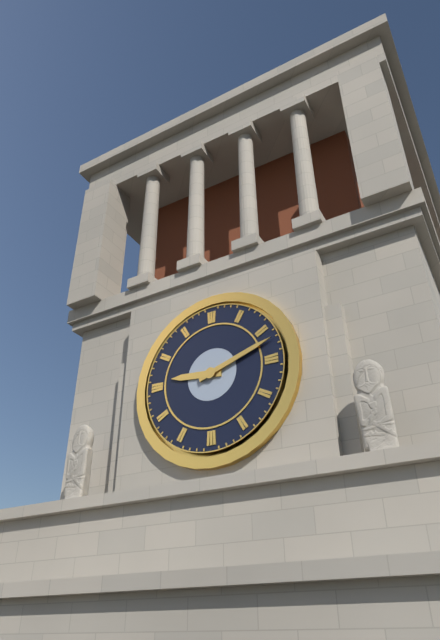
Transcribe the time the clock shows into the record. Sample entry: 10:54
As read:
9:12
